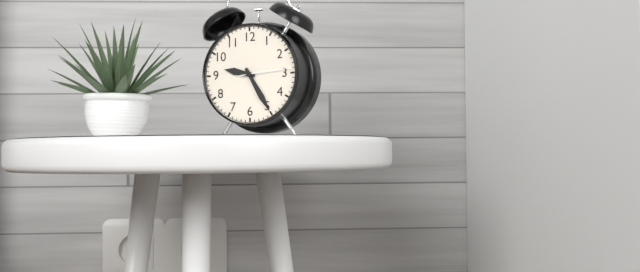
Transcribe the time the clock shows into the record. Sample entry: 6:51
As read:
9:25
